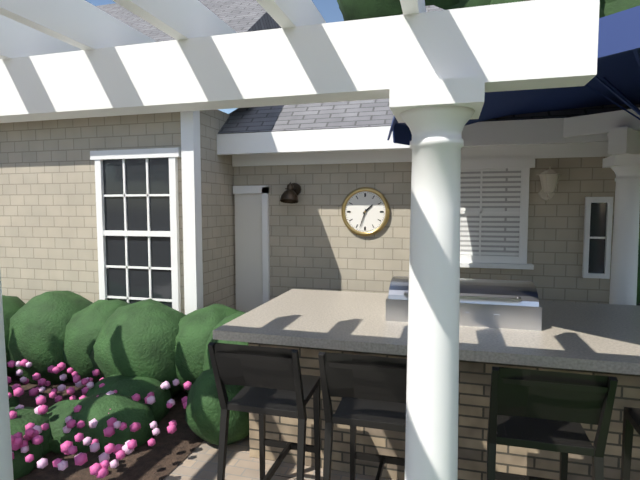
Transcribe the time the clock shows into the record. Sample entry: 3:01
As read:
1:33
